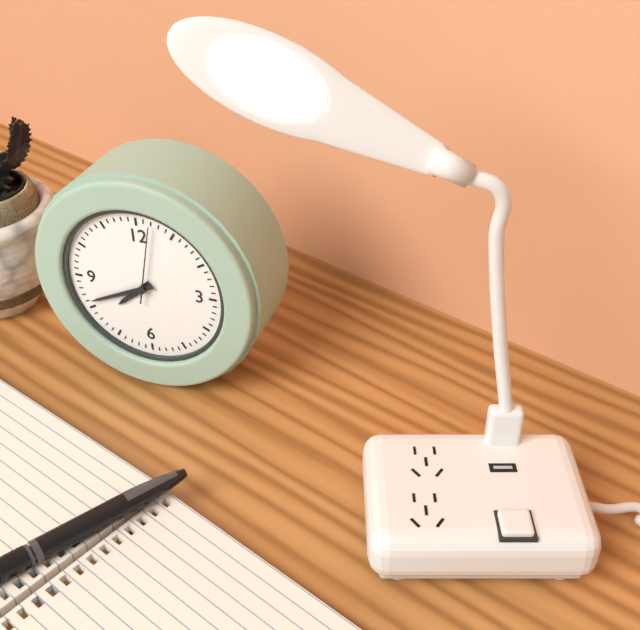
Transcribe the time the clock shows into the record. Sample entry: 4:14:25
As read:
7:41:02
